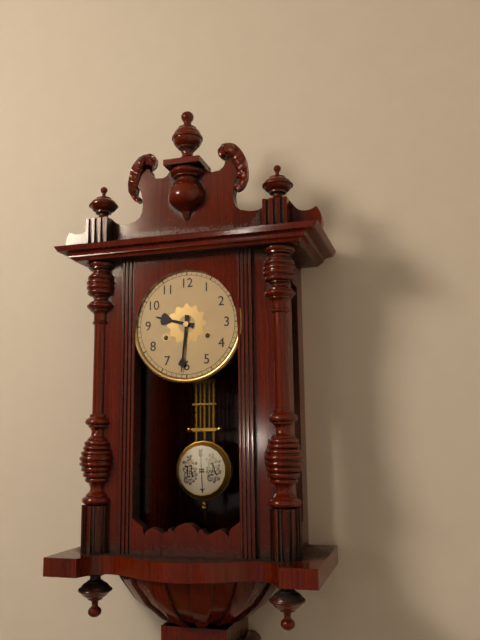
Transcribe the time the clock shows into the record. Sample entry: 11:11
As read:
9:31
